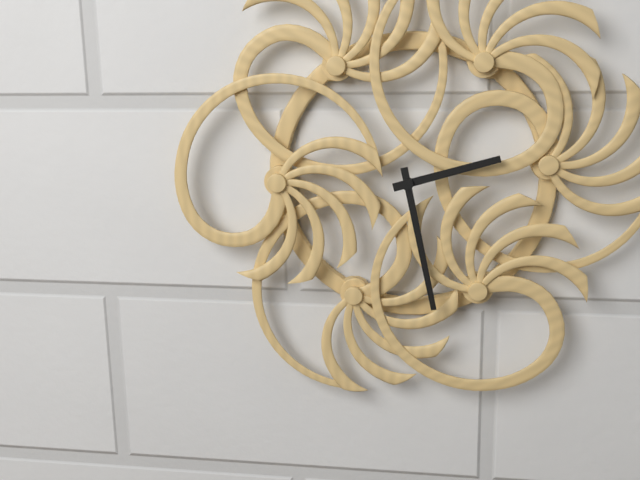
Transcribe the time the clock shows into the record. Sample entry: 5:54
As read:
2:28
